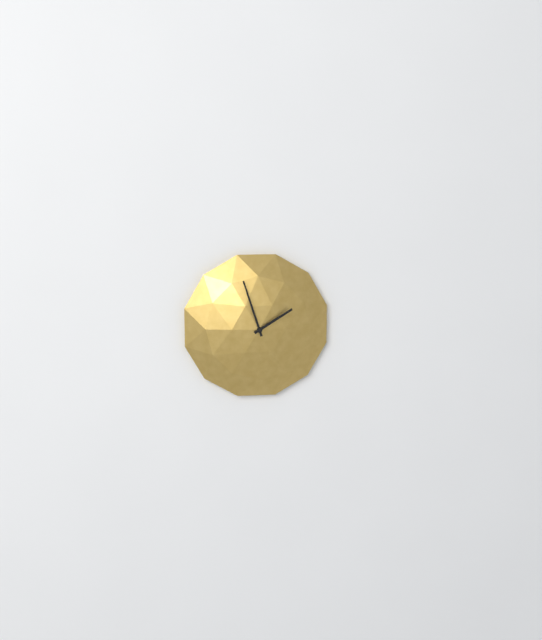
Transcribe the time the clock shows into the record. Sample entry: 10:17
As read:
1:57
